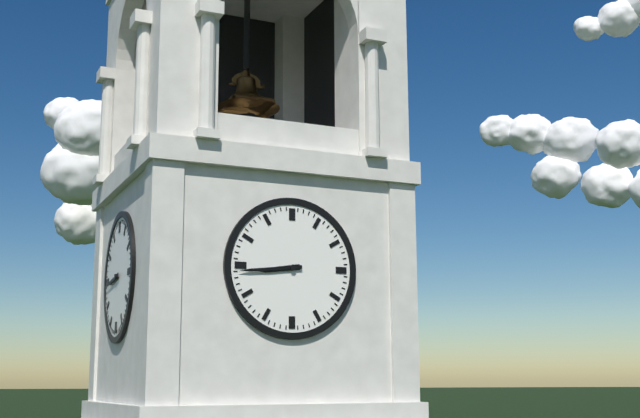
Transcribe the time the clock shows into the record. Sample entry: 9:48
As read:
8:44
